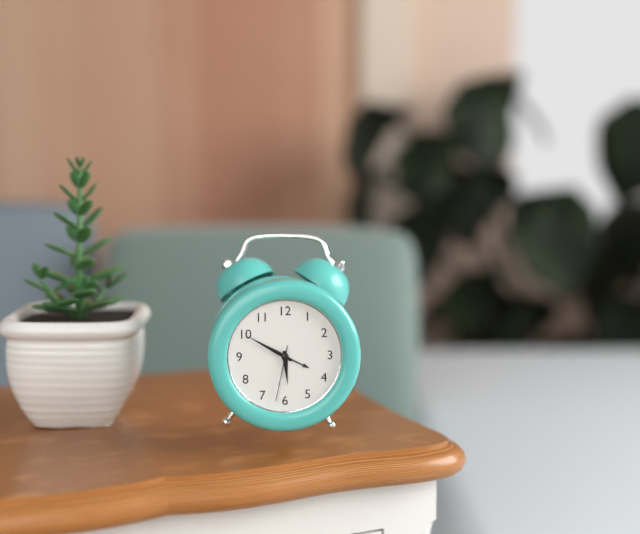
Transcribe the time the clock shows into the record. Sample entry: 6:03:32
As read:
5:50:32
